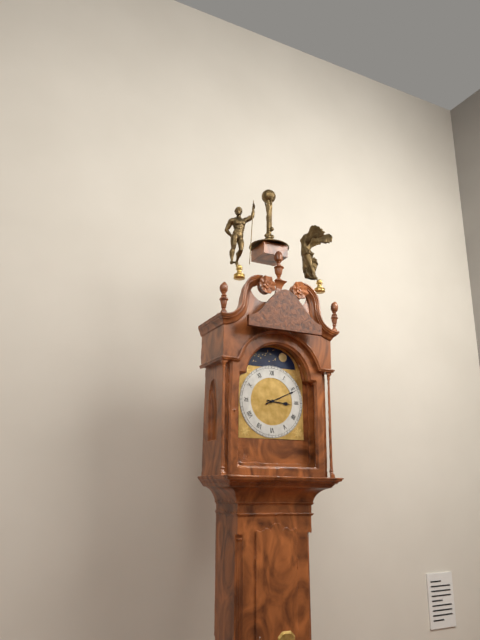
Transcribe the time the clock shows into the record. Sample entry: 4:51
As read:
3:11
